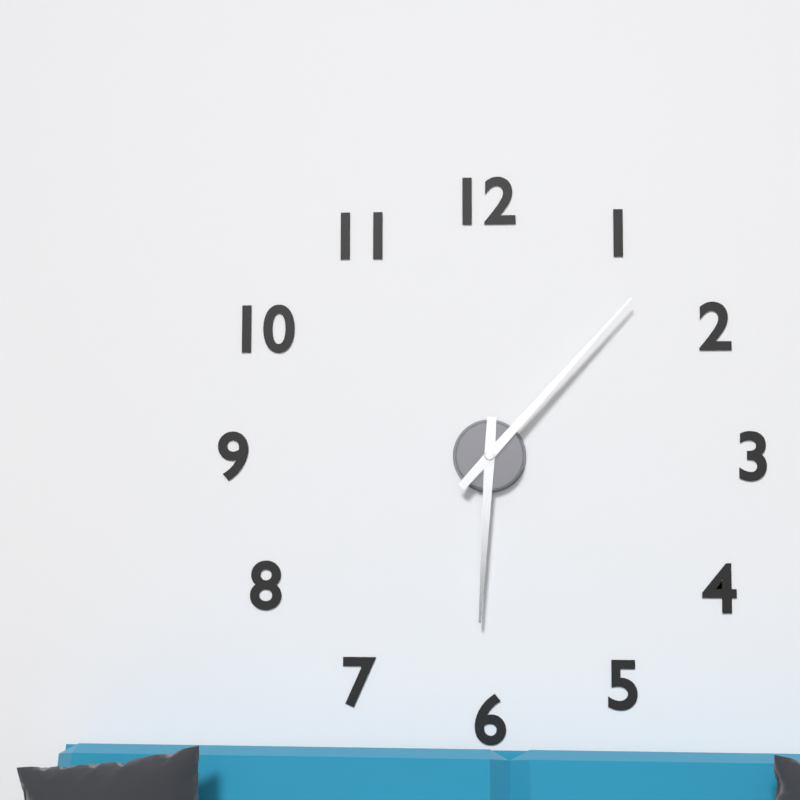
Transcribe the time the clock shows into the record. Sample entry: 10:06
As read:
6:07
